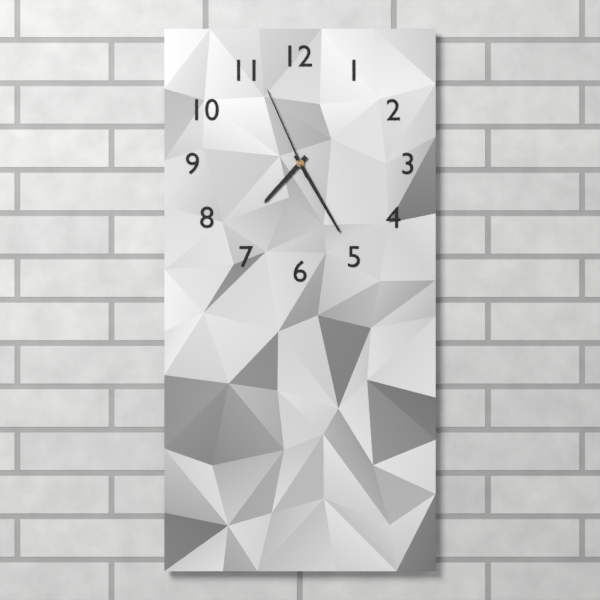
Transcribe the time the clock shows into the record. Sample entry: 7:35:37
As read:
7:25:56
